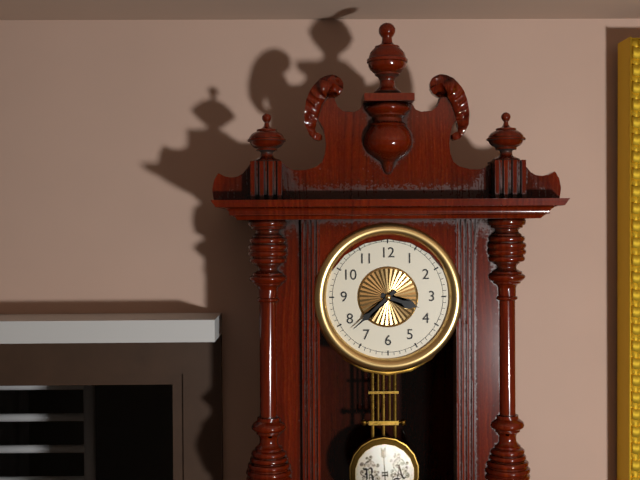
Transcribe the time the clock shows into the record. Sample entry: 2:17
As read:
3:38
